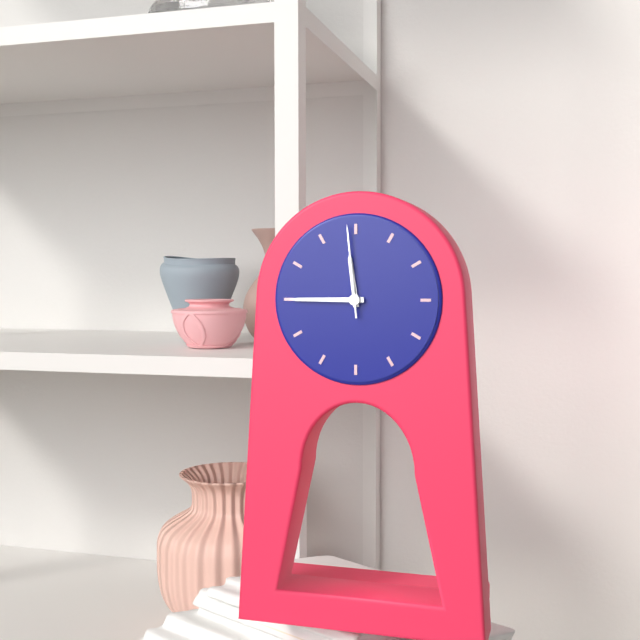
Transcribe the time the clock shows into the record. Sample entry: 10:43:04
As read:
11:45:59
